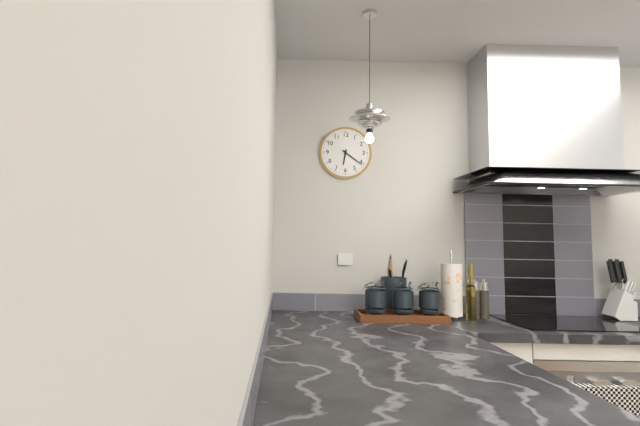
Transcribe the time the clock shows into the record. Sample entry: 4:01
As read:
6:21
